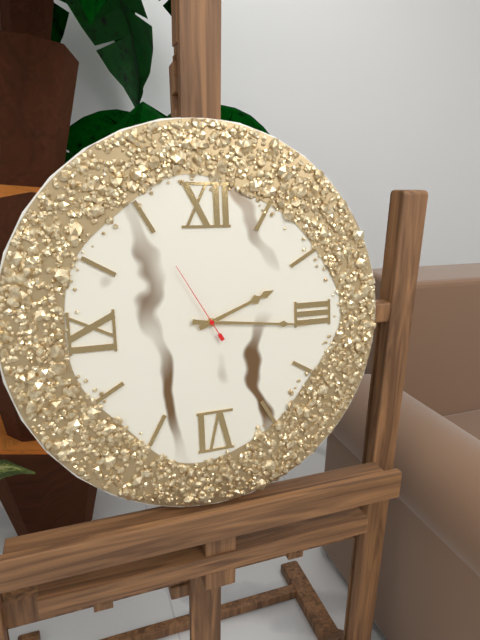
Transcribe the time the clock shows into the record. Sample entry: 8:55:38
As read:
2:16:55
